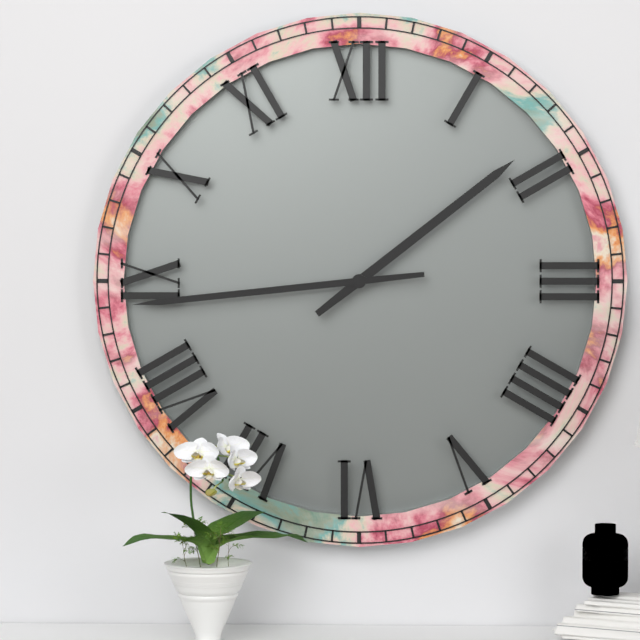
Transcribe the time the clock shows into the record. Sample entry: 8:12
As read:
1:44
